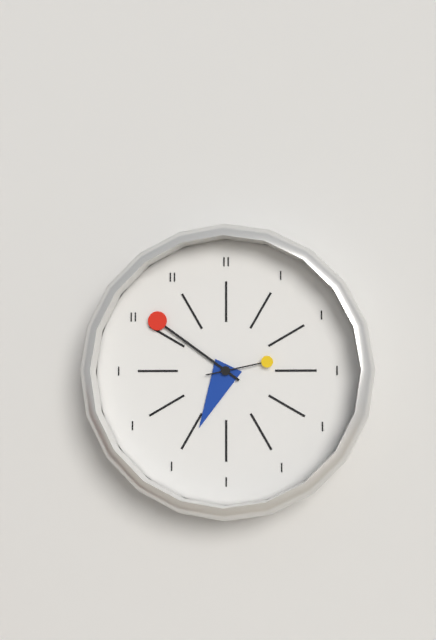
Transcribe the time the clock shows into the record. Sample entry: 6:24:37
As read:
6:51:13
